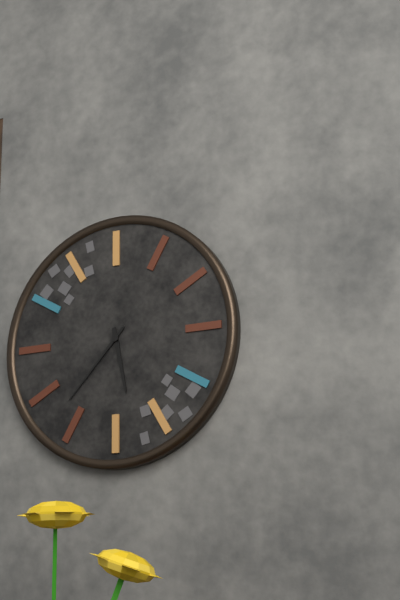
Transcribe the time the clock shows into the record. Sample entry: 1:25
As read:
5:37
